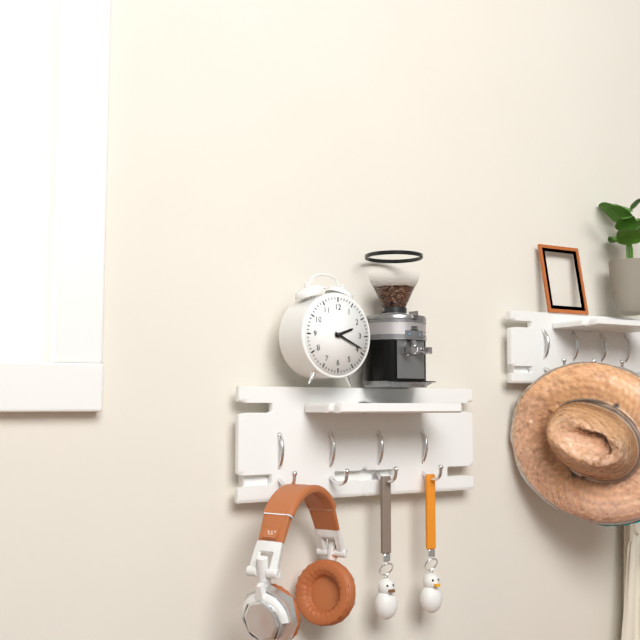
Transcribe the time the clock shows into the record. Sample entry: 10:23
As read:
2:19
